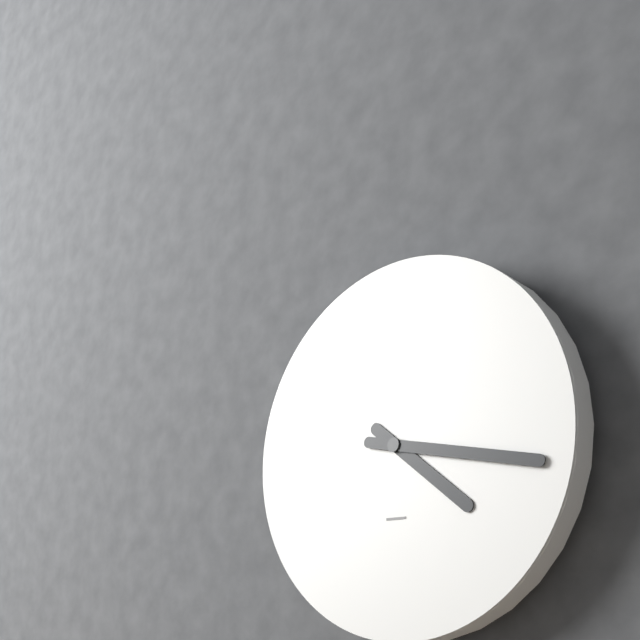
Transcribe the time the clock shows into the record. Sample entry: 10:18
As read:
4:17
